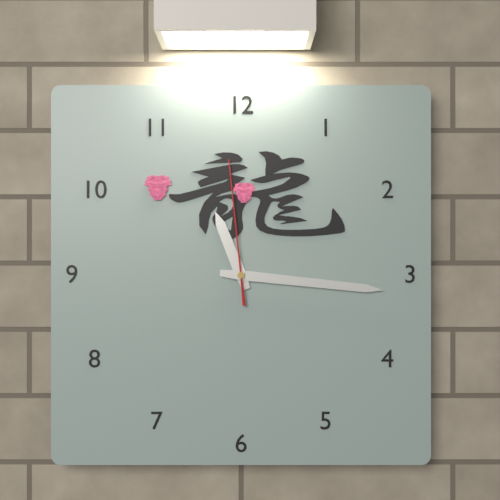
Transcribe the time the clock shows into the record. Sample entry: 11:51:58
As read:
11:16:59
